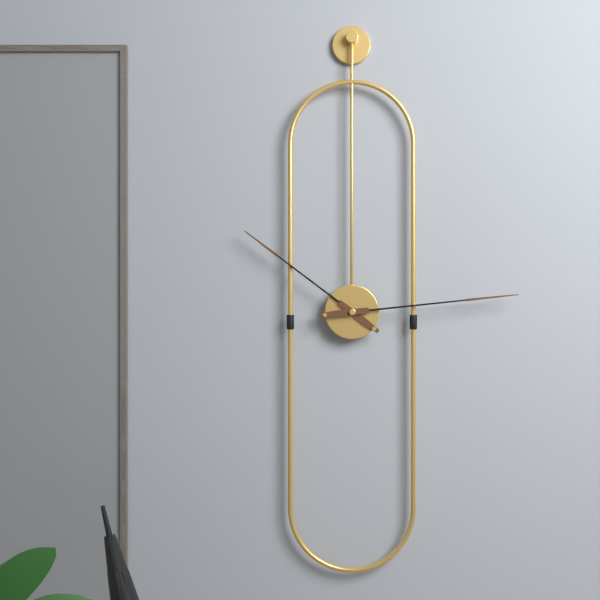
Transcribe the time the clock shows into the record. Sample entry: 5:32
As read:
10:14
